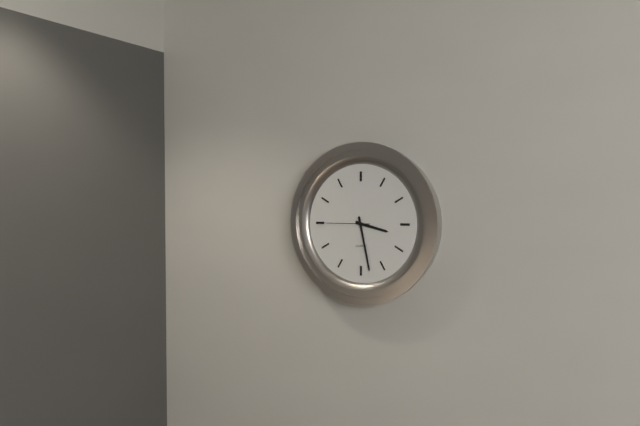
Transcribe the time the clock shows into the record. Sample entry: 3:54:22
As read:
3:28:45
